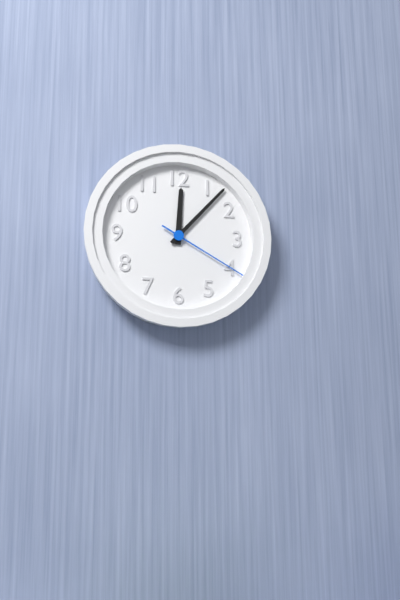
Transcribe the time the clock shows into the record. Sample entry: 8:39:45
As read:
12:07:20
